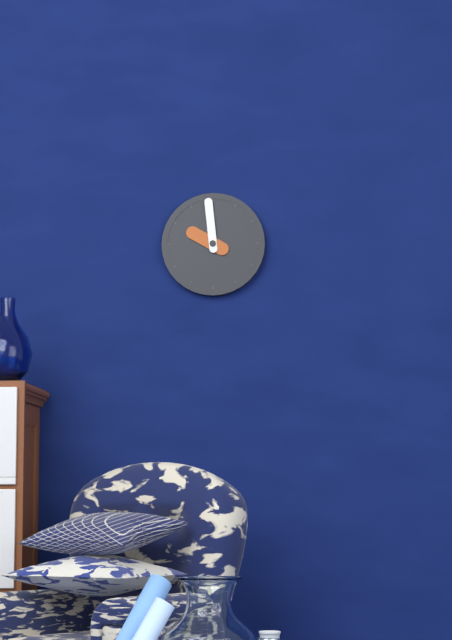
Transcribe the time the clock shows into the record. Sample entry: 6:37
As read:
9:59
